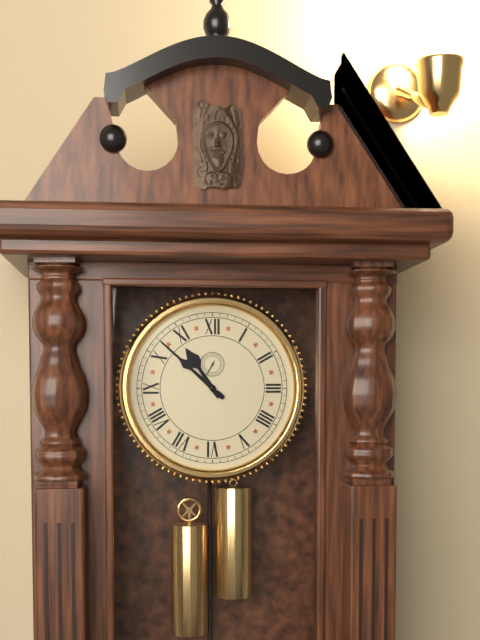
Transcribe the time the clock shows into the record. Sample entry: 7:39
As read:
10:52
